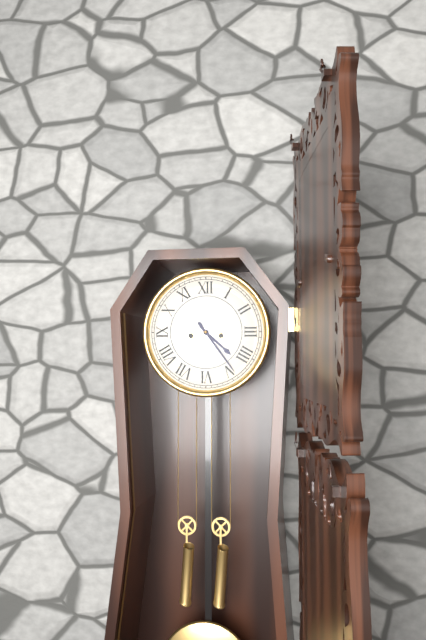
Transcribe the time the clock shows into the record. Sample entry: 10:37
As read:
4:24
